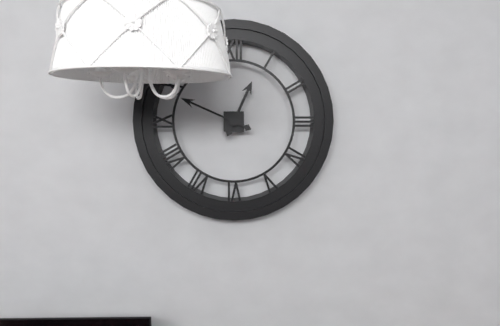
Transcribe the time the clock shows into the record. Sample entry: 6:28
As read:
12:49
